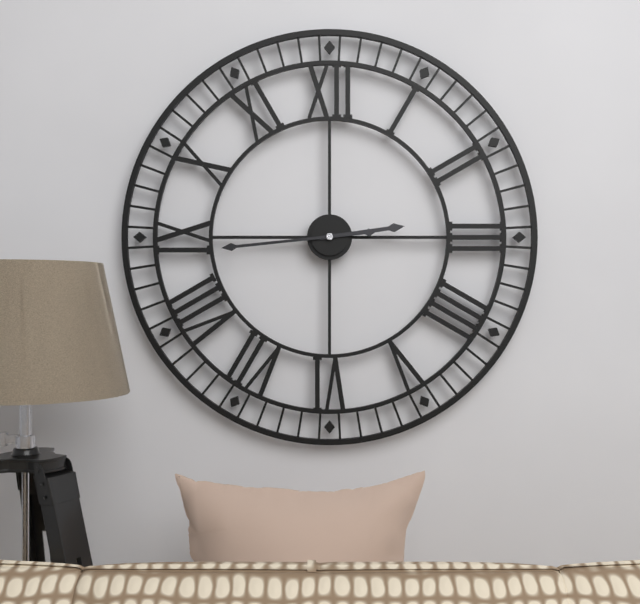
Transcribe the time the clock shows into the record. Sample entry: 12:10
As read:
2:44
